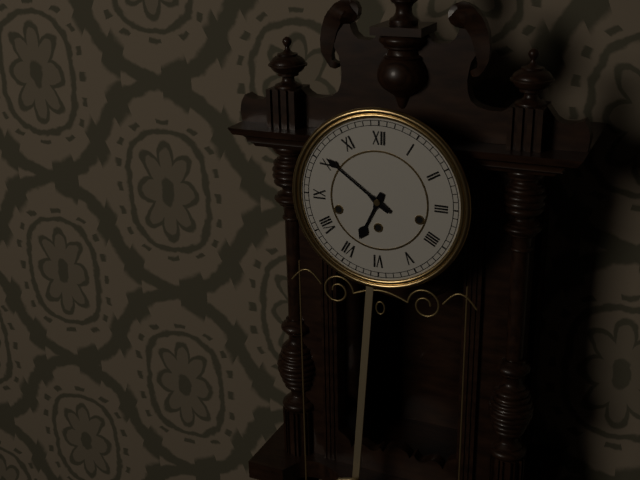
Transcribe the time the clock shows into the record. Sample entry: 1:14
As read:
6:51
